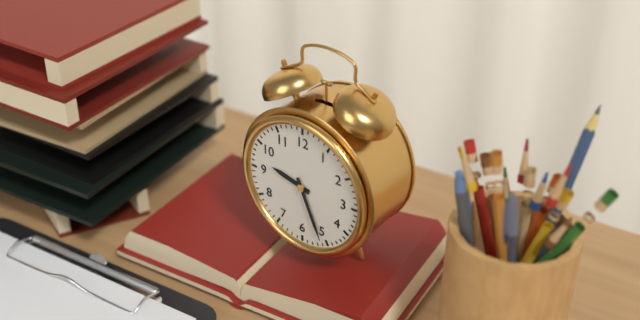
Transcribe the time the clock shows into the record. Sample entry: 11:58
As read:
9:26
